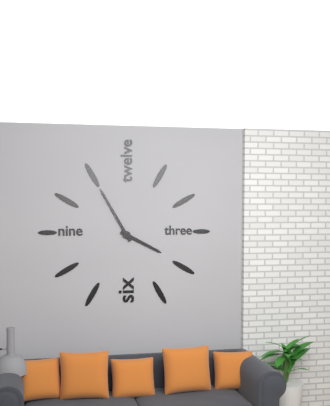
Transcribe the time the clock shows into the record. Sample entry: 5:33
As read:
3:55
